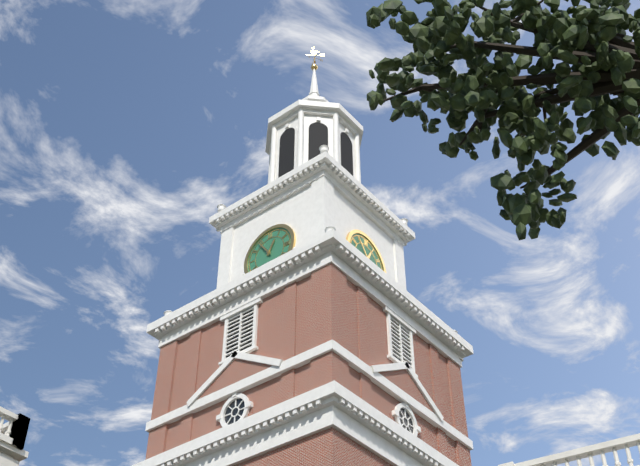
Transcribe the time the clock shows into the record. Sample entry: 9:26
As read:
12:54
